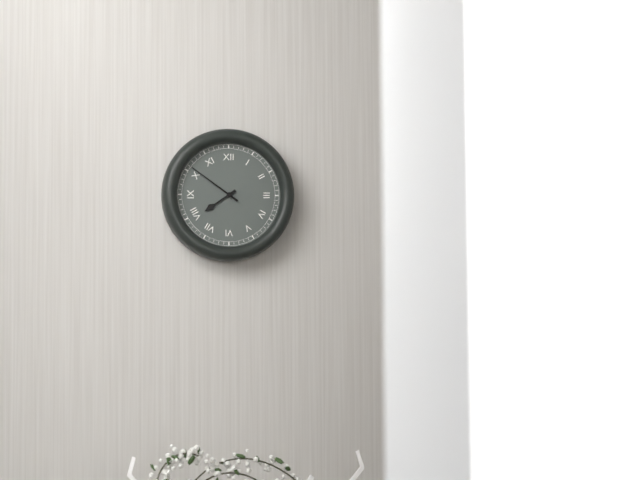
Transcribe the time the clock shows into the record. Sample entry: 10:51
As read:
7:51
